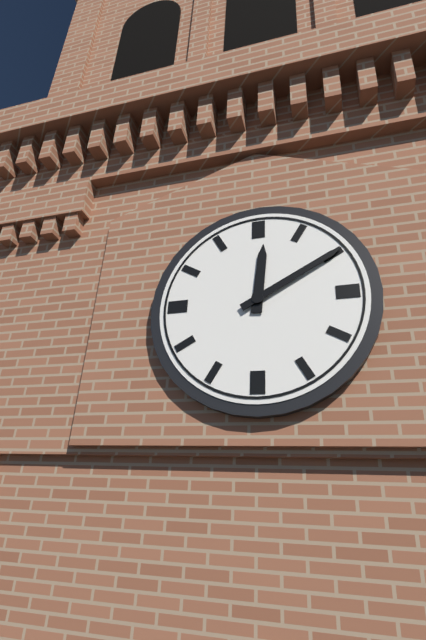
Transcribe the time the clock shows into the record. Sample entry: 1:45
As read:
12:10
